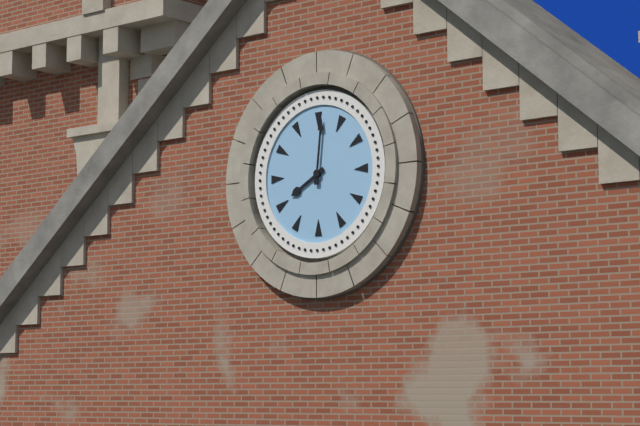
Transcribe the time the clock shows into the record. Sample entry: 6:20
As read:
8:01
